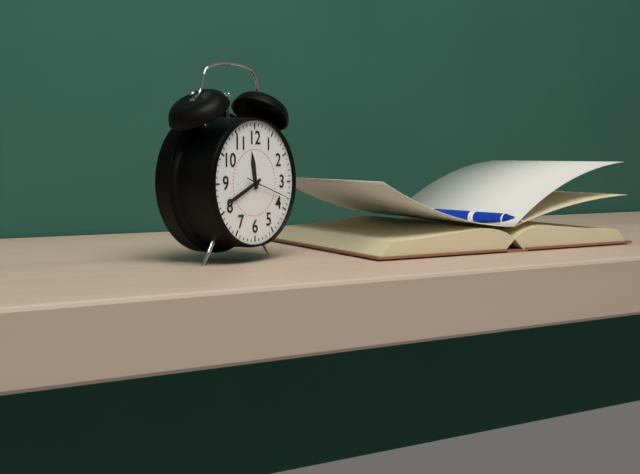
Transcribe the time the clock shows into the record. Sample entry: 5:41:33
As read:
11:41:18
